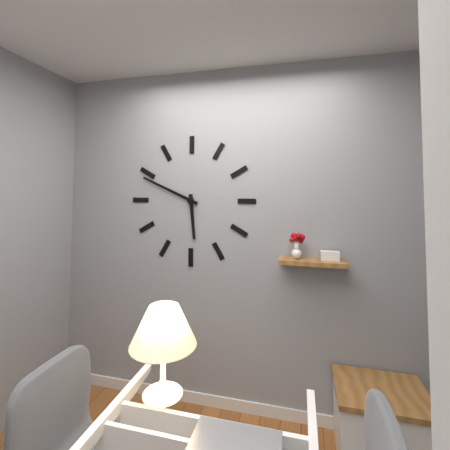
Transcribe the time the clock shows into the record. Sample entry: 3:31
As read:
5:49
